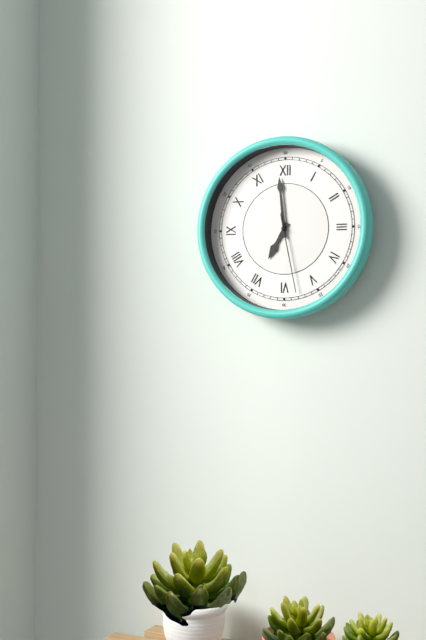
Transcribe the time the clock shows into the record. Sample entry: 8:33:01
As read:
6:59:28
